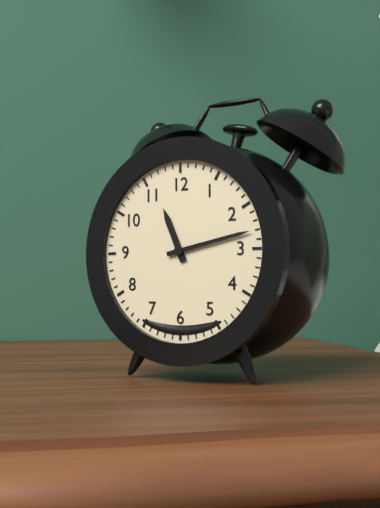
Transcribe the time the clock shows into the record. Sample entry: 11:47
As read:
11:13
